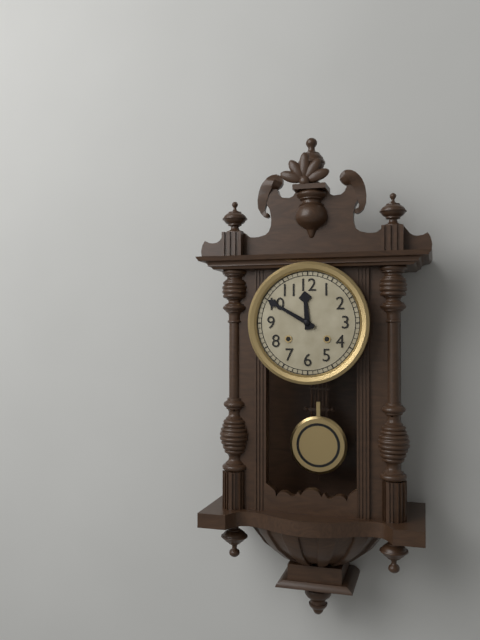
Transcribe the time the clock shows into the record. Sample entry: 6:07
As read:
11:50
